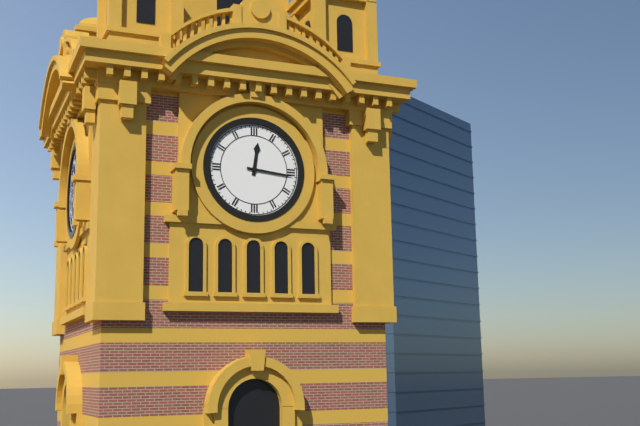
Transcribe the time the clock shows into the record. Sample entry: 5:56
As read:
12:16
